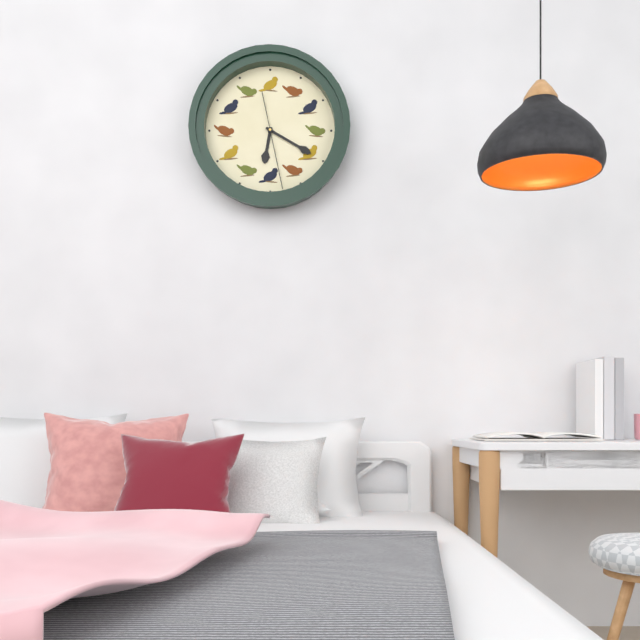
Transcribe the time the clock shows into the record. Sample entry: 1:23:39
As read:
6:20:28
